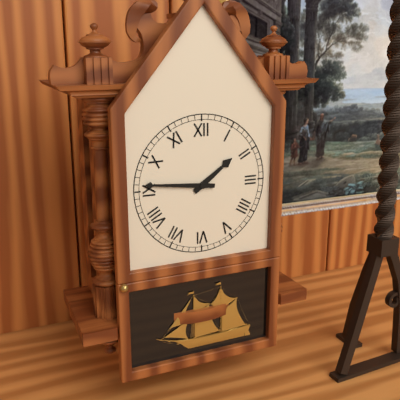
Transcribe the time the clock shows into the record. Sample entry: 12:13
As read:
1:46
